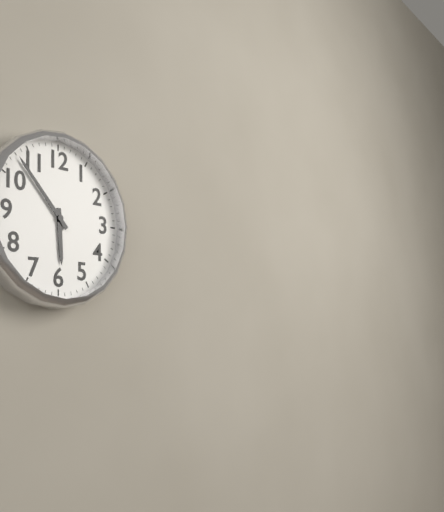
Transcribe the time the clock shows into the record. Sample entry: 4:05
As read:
5:53
